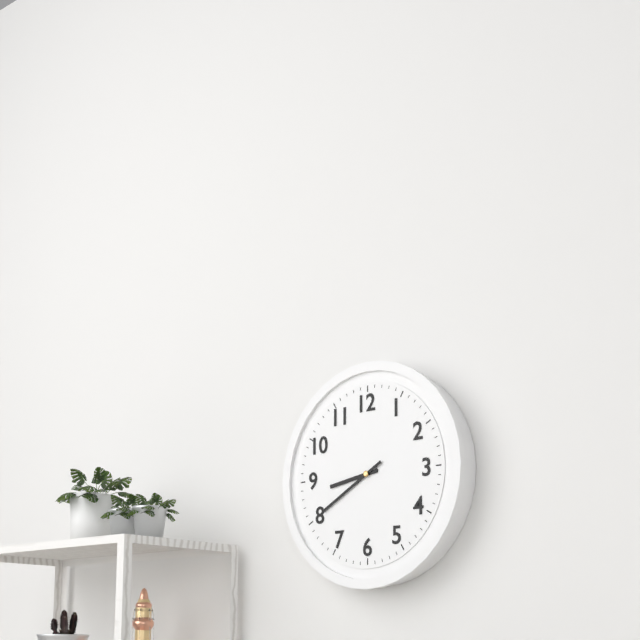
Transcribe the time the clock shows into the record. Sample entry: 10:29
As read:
8:40
